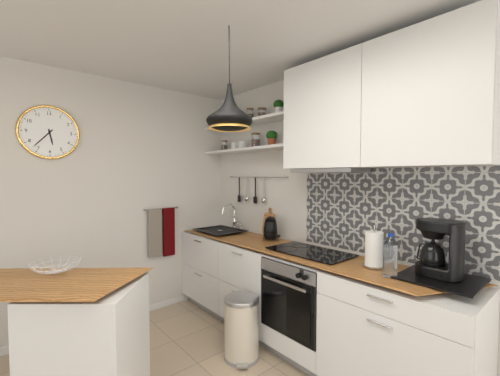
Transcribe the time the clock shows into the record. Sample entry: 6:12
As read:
5:37
